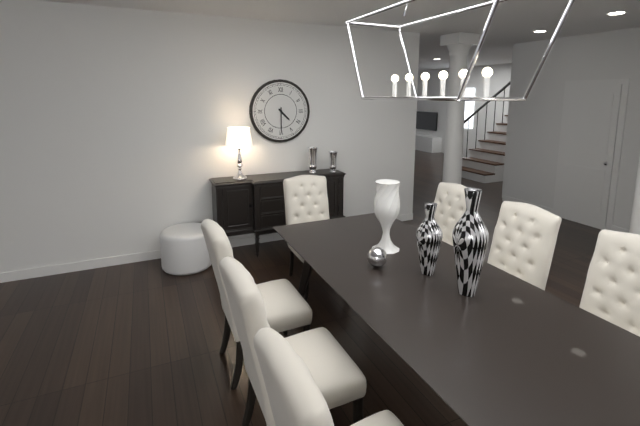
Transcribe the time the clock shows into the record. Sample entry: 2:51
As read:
4:30
